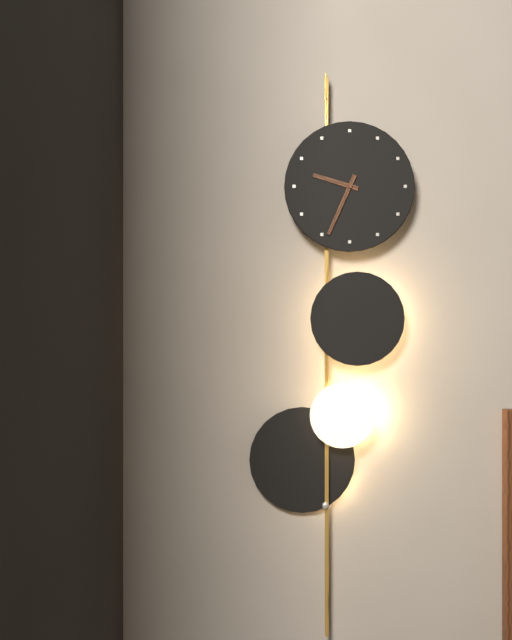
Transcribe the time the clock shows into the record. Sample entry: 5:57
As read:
9:34
